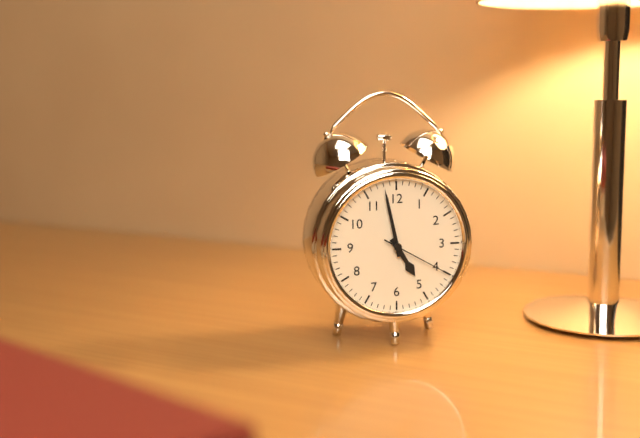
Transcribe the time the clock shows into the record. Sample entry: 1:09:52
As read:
4:58:20
